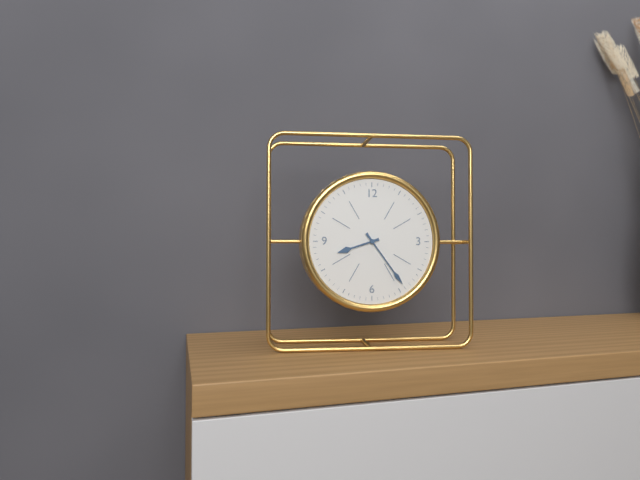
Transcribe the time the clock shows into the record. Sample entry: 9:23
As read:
8:24
